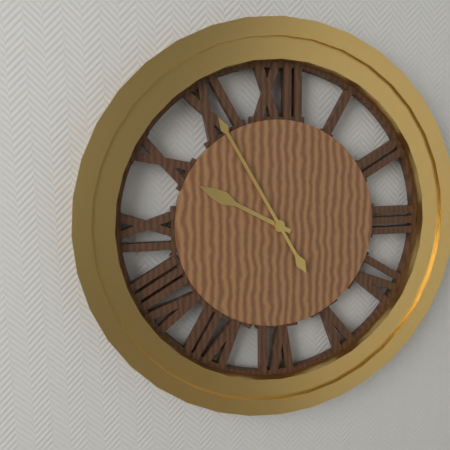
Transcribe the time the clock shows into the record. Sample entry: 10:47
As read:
9:55
